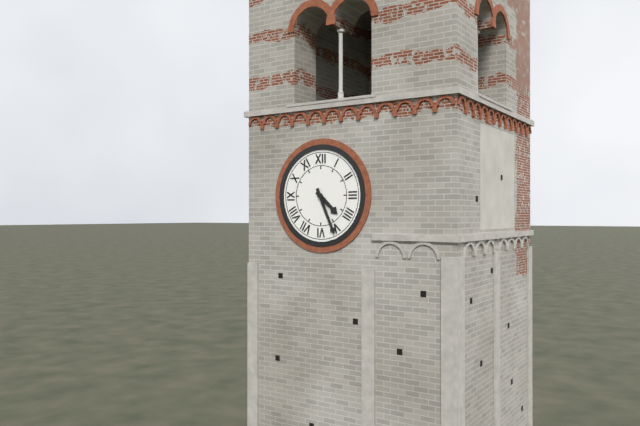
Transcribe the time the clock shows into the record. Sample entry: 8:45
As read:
4:26
